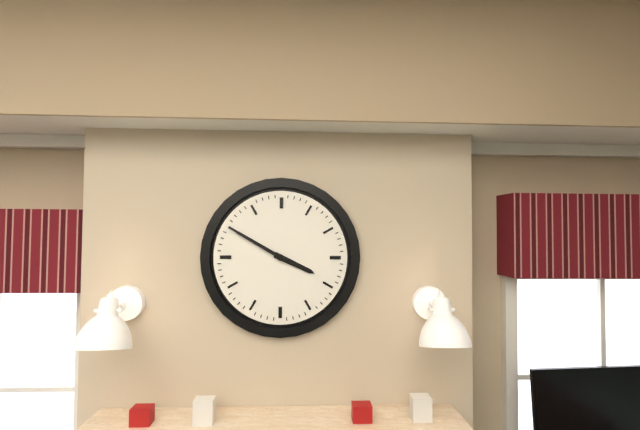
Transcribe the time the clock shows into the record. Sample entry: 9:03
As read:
3:50
